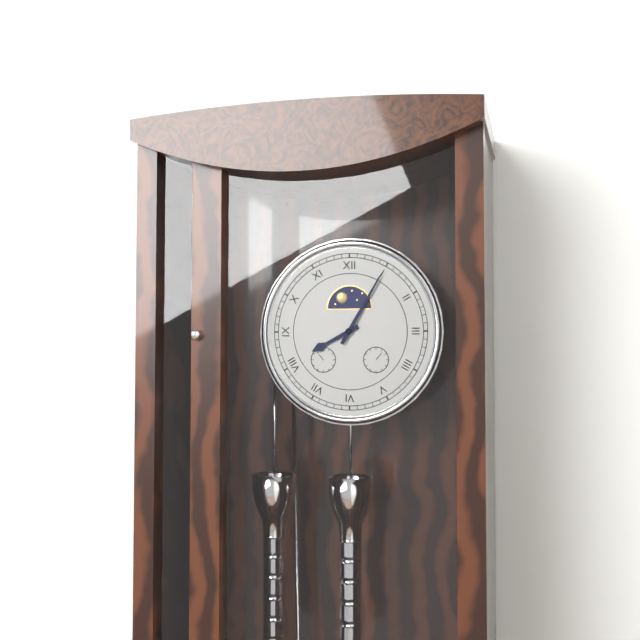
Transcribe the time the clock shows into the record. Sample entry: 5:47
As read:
8:05
